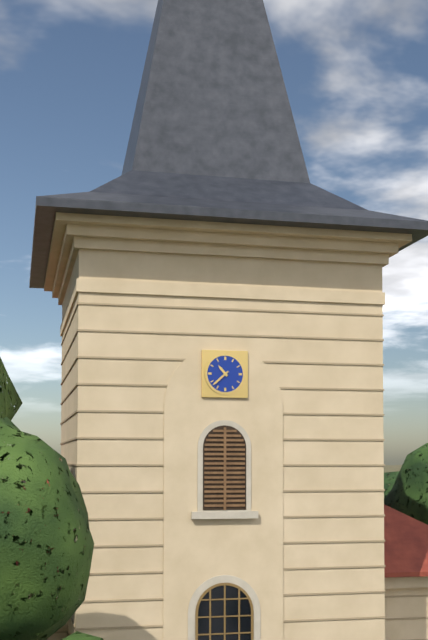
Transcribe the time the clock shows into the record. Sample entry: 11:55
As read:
10:38
